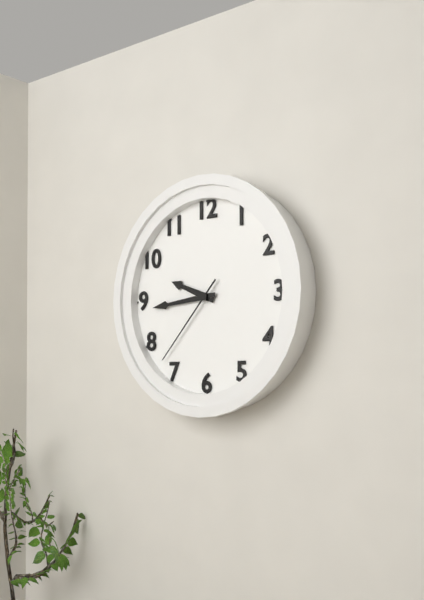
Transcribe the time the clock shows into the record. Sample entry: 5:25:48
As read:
9:44:37
